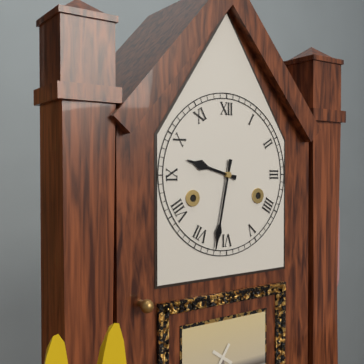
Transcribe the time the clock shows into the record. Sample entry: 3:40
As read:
9:32
